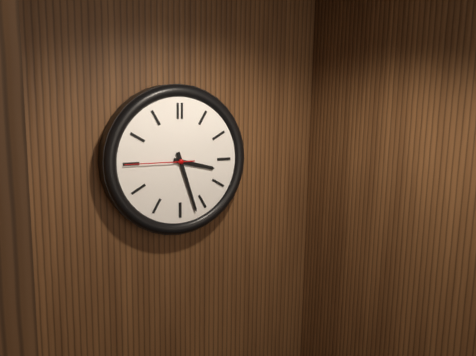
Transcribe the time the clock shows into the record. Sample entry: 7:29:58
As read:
3:27:45
